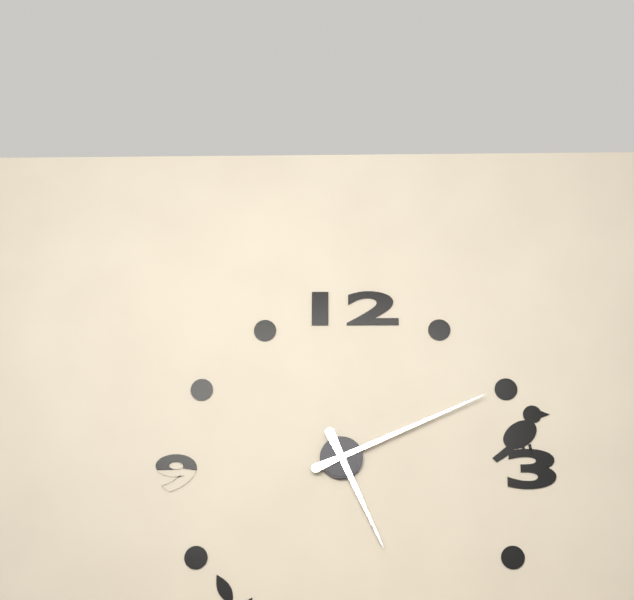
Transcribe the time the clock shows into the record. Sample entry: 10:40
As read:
5:11
